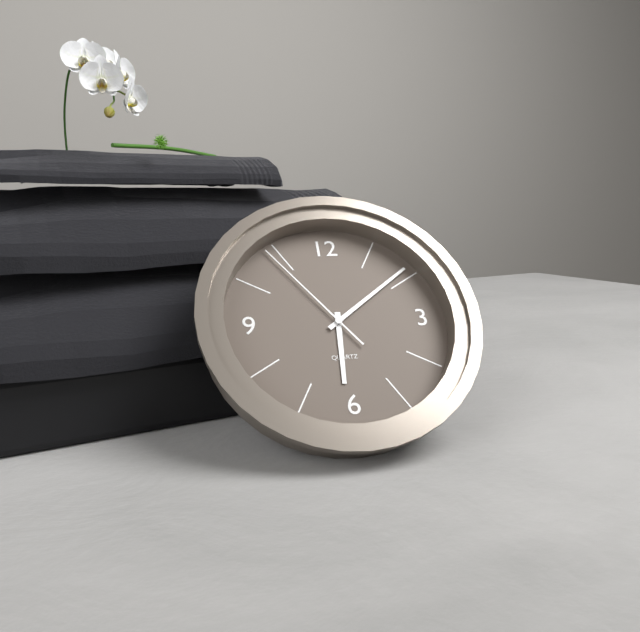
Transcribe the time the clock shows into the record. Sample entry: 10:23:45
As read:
6:09:54
